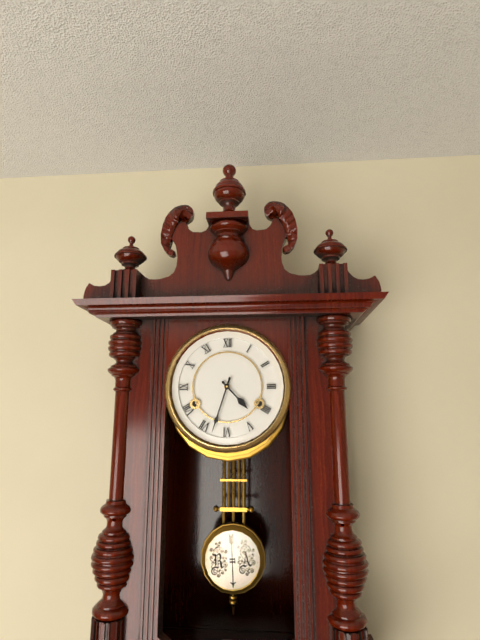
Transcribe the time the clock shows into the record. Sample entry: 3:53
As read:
4:33
